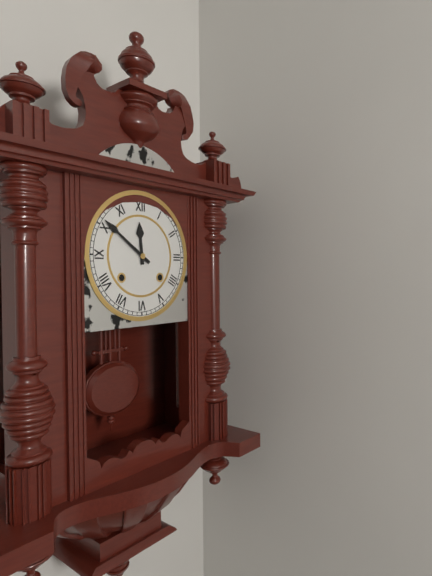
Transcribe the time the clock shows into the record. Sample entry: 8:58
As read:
11:51
